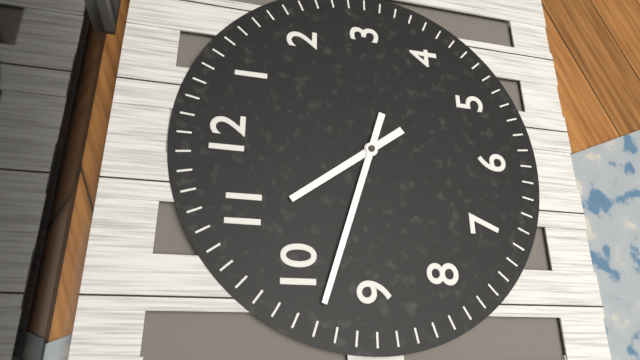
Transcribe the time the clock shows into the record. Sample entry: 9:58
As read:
10:48
